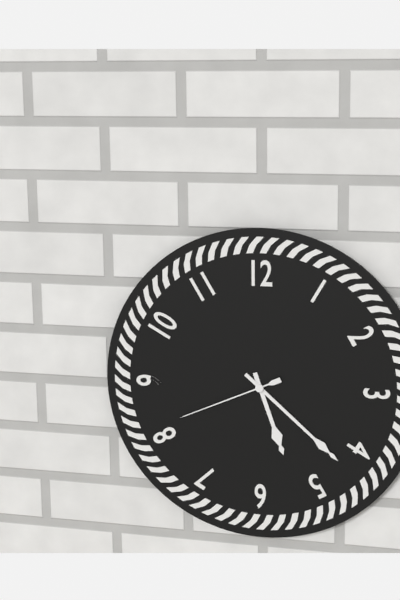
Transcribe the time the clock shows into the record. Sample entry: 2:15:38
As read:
5:22:41
